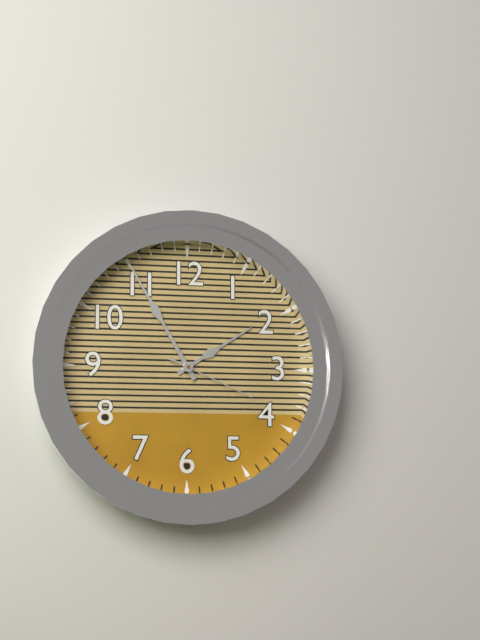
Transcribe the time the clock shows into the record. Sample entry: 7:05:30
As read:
1:55:19
